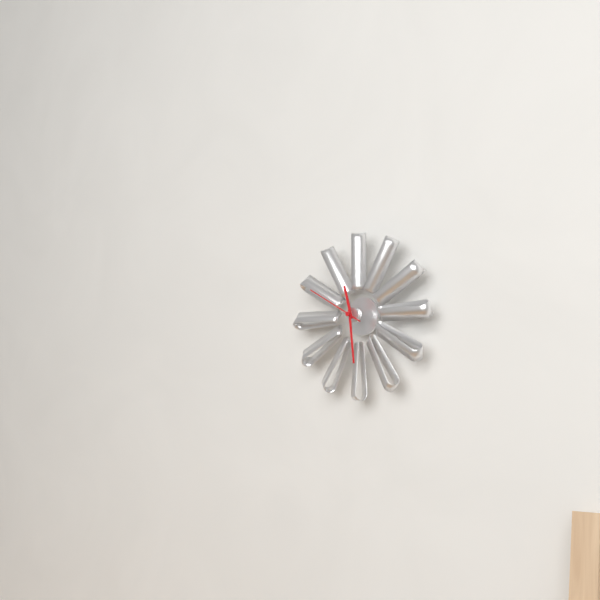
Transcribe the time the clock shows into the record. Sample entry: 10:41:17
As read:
11:29:50
